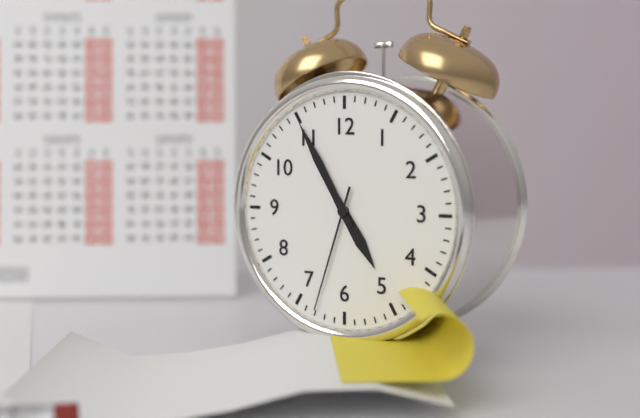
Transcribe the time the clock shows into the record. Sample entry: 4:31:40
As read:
4:55:33
